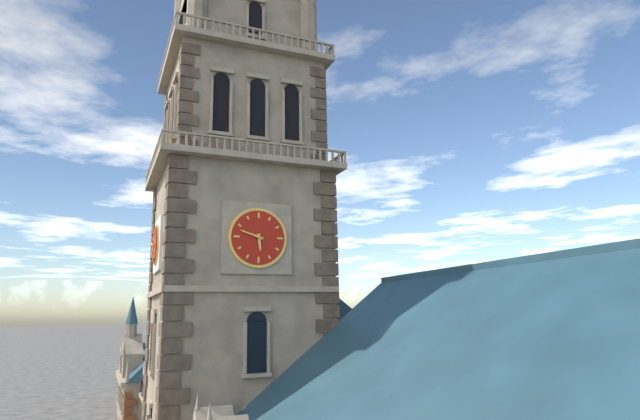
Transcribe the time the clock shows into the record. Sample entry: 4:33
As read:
5:48
